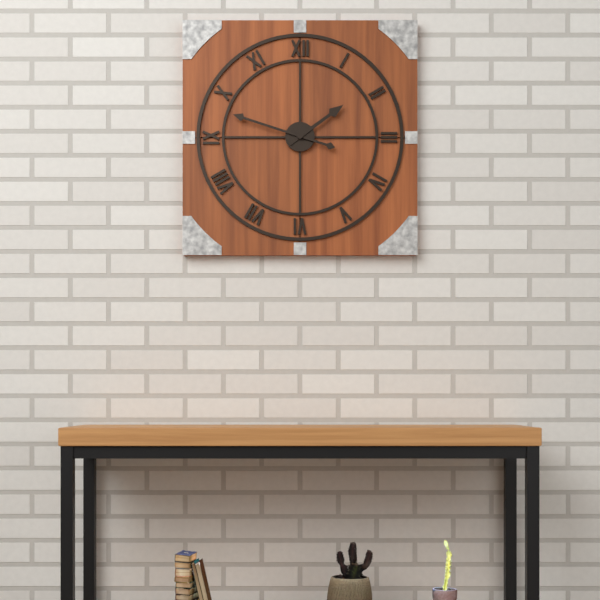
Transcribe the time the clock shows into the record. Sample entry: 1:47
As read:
1:48
